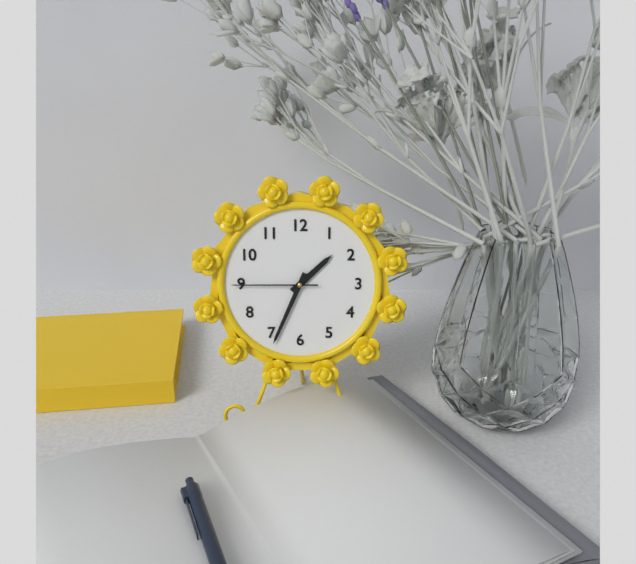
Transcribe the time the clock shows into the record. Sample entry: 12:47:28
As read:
1:34:45
